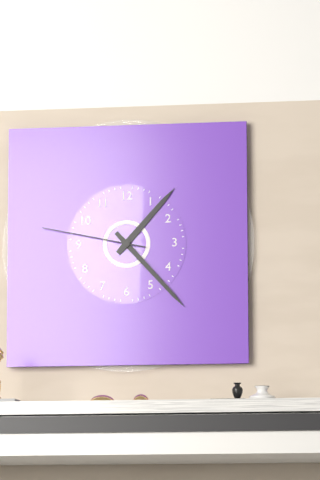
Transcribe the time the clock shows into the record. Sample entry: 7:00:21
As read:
1:23:47
